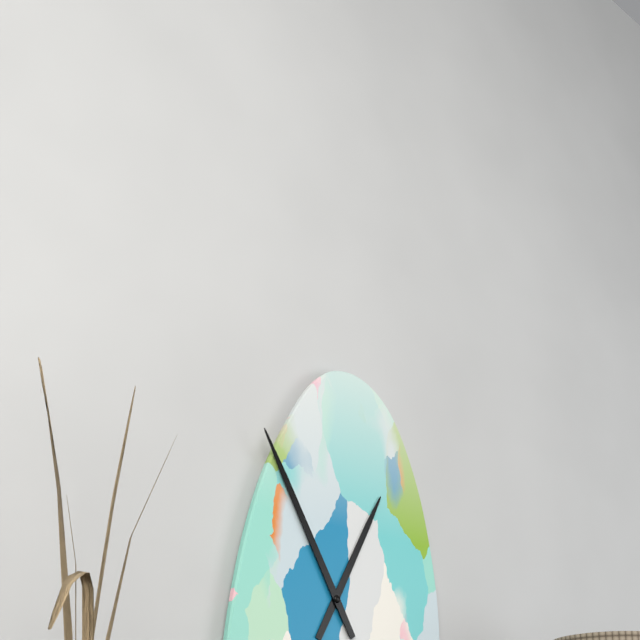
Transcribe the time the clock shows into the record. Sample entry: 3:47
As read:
12:55
